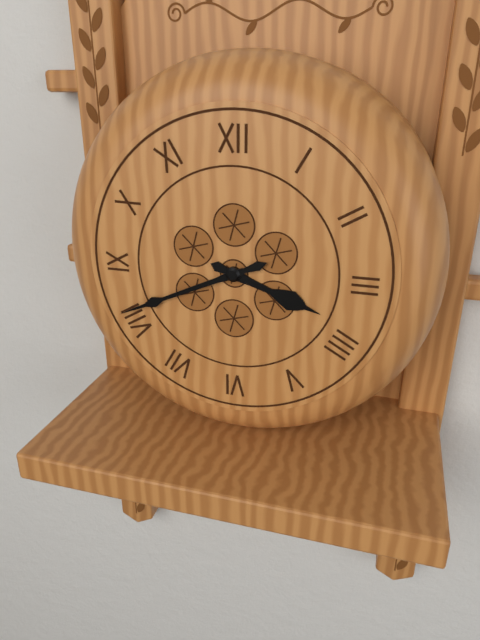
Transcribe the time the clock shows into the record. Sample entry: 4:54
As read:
3:41
